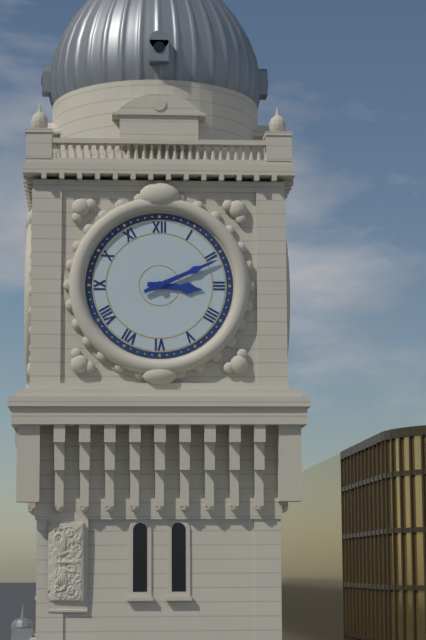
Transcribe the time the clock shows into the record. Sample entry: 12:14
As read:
3:11
